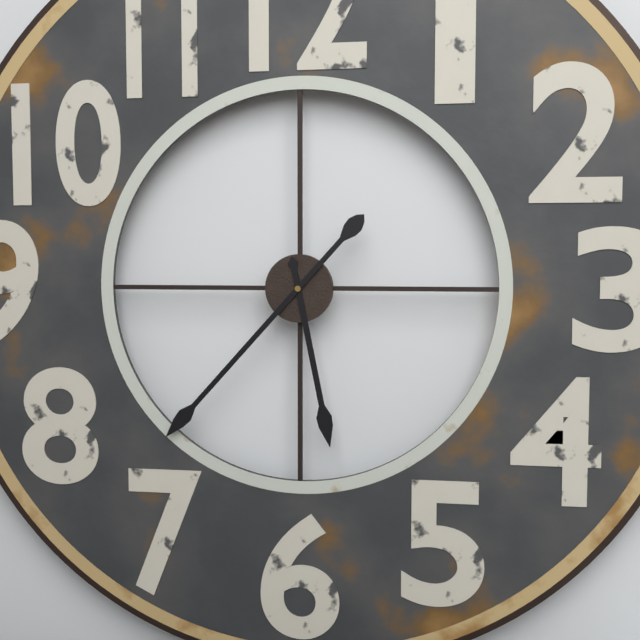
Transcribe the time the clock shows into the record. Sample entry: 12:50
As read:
5:37
